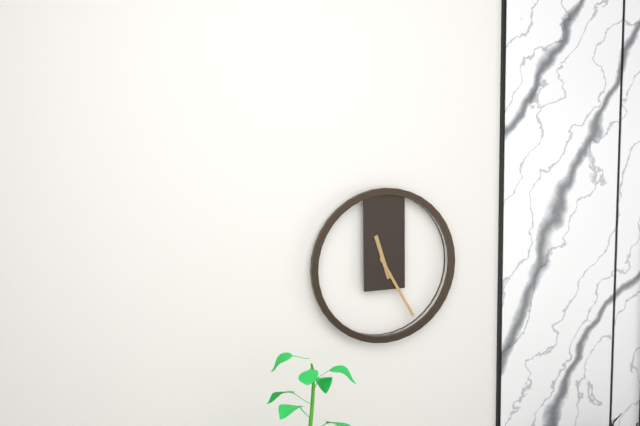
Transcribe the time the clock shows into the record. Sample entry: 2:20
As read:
11:25
